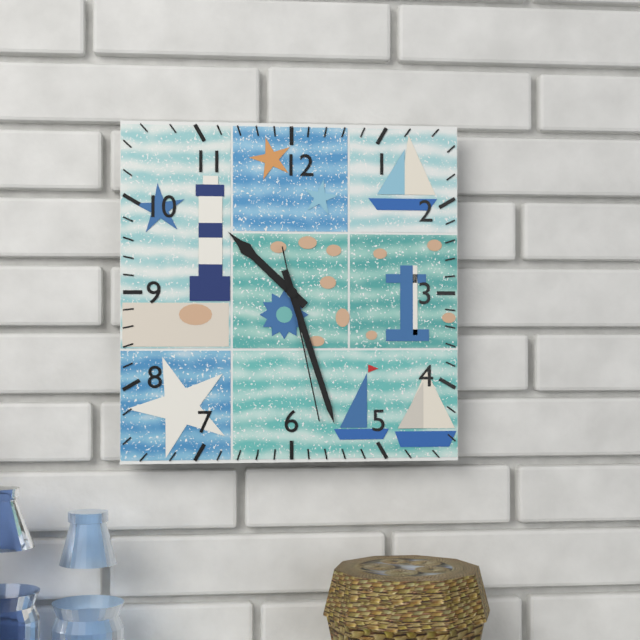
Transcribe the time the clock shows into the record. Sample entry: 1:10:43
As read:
10:27:28
